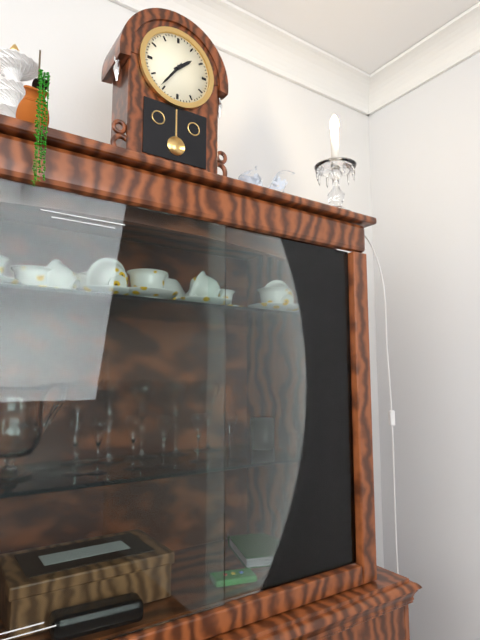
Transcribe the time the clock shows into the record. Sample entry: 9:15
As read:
1:36
